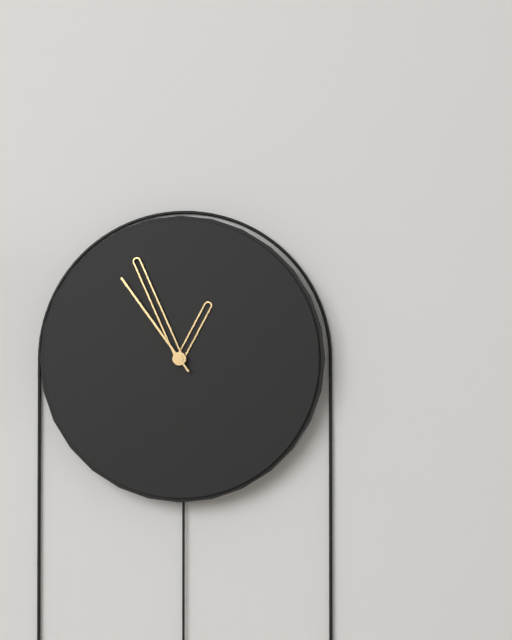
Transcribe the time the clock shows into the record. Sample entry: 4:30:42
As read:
12:56:54
